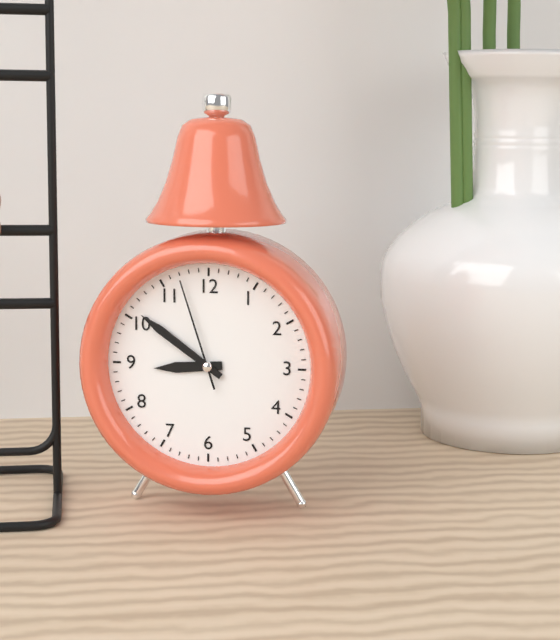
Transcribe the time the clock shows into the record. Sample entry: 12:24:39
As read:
8:51:57
